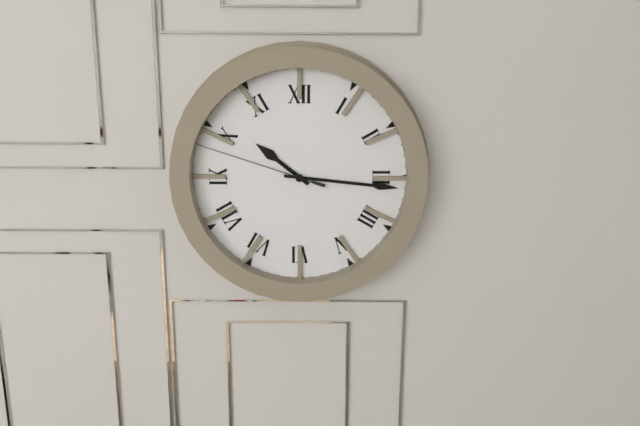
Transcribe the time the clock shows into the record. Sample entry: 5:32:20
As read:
10:16:48
